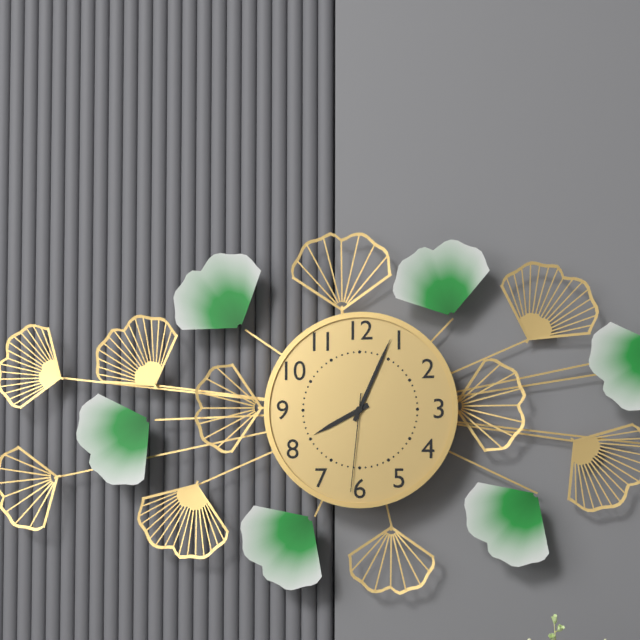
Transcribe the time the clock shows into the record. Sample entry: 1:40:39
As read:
8:04:31
